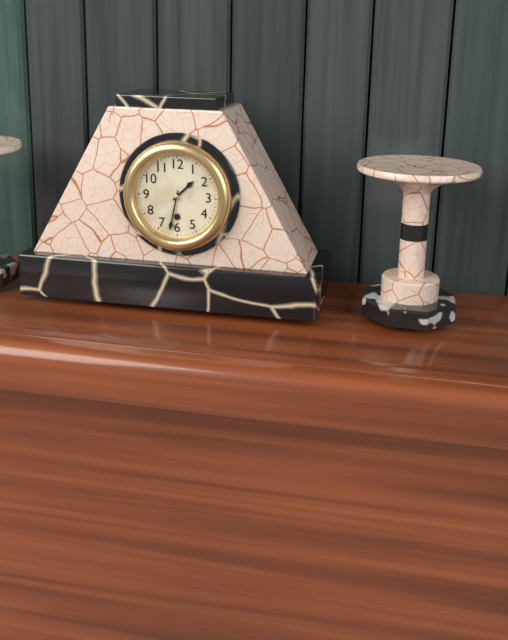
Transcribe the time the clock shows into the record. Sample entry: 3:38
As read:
1:32
